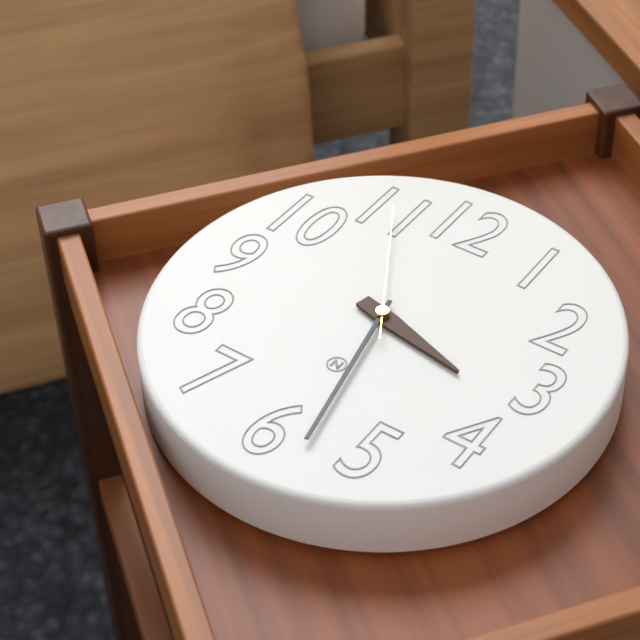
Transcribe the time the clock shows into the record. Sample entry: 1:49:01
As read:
3:28:55
